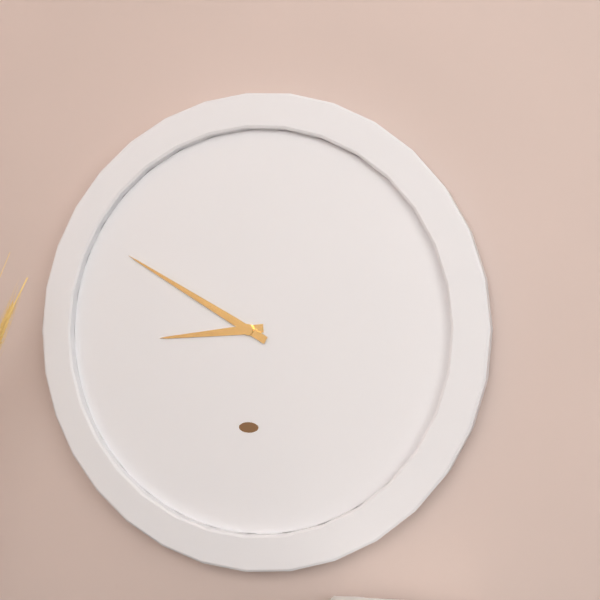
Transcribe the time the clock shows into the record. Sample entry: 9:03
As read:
8:50
